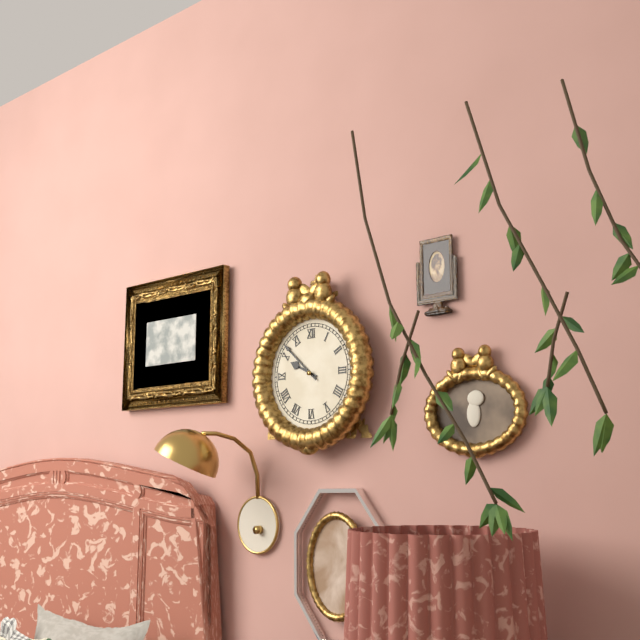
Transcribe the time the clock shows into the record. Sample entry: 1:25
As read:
9:52
